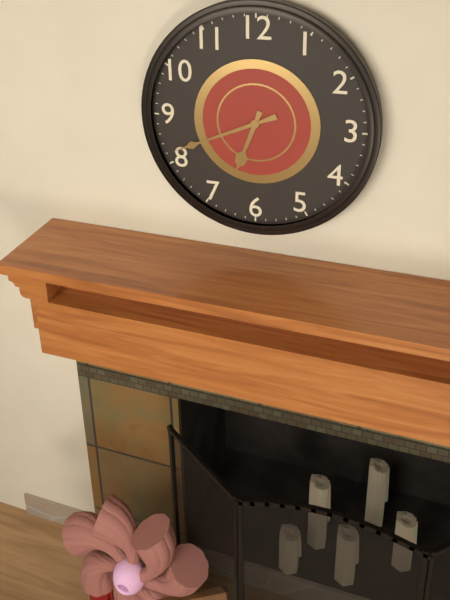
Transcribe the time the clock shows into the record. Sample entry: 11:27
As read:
6:41
